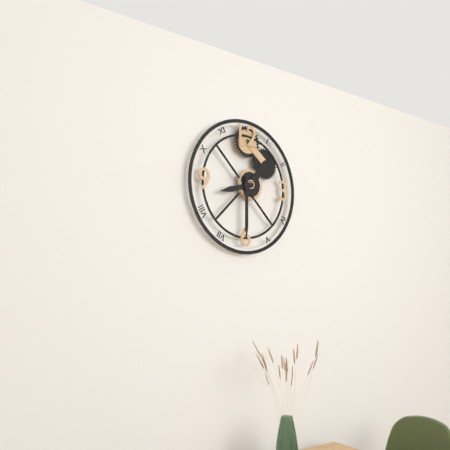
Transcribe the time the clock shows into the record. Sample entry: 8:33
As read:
8:30
